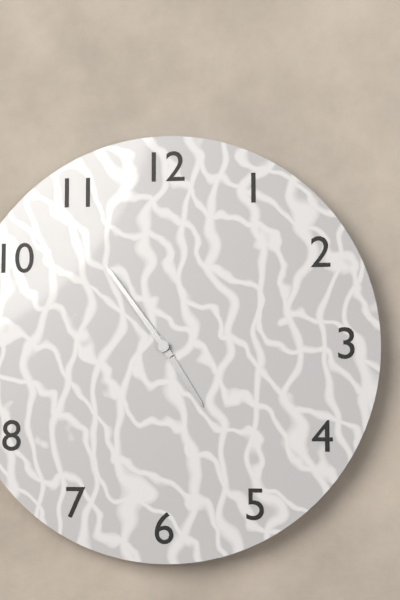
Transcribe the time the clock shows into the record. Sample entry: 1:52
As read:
4:54
